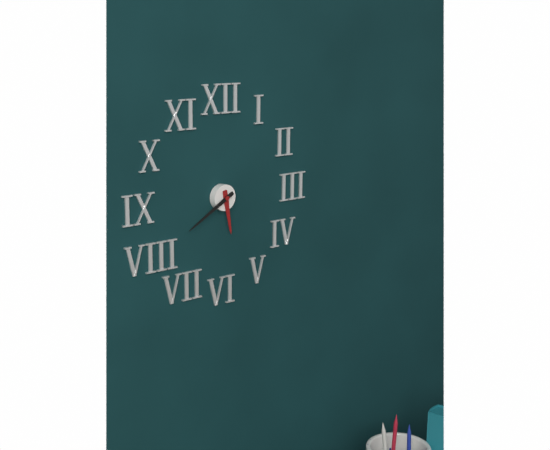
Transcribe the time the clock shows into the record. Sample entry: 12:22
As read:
5:40
